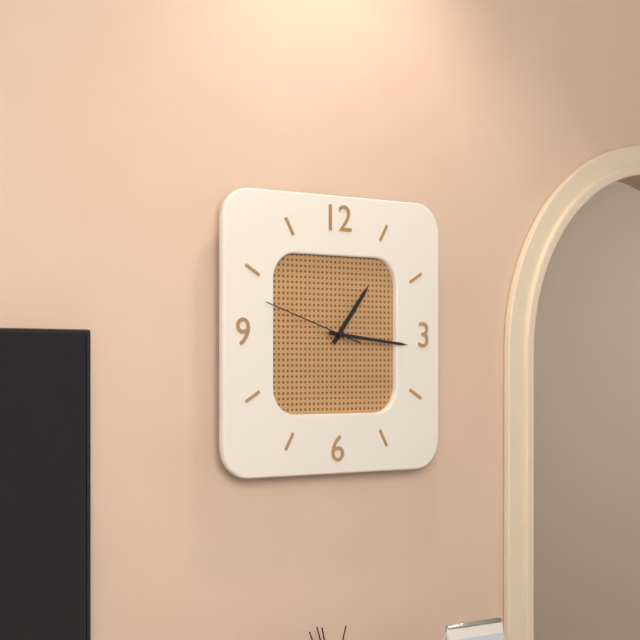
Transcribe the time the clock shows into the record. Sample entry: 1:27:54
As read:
1:16:48
